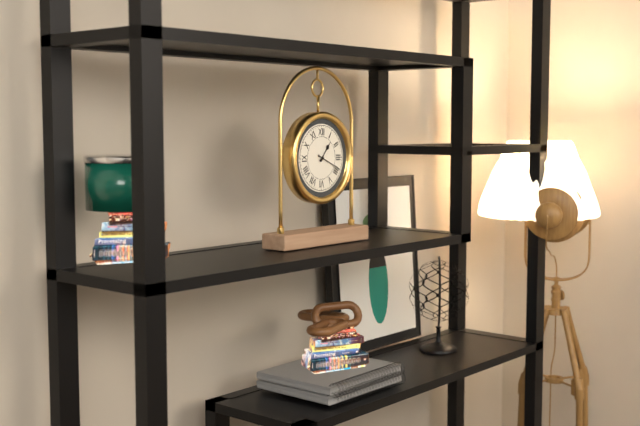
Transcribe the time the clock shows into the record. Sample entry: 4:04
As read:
1:19
